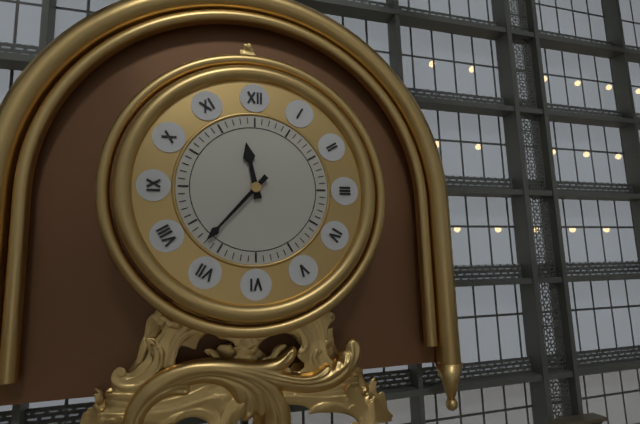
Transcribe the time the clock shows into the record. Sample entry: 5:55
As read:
11:37
